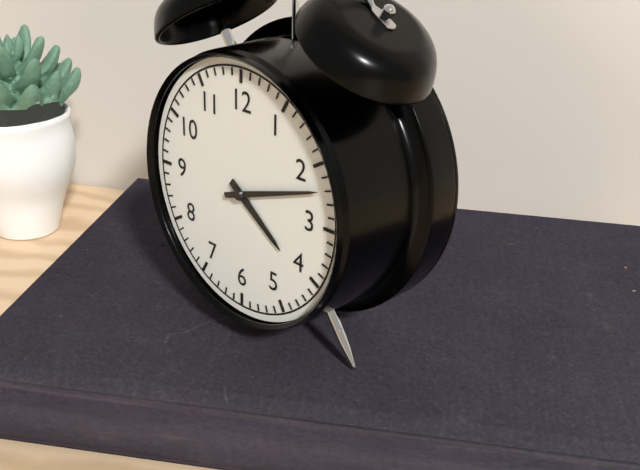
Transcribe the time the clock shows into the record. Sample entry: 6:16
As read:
4:12
